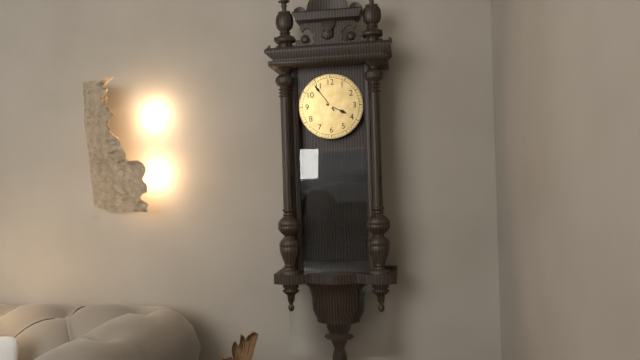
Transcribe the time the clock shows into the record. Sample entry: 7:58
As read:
3:54
